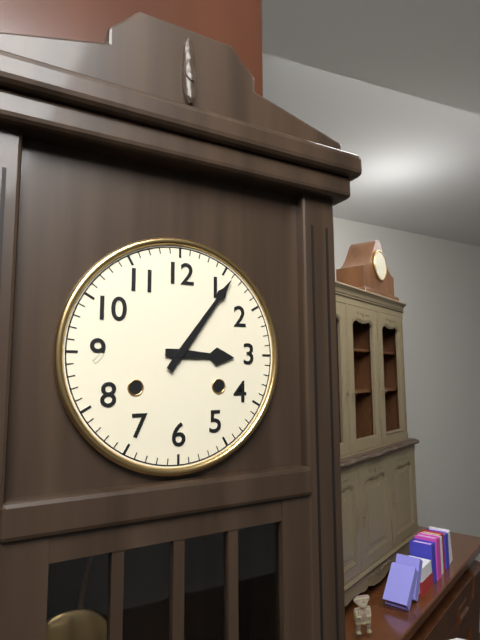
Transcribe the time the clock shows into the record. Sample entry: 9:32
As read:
3:06
